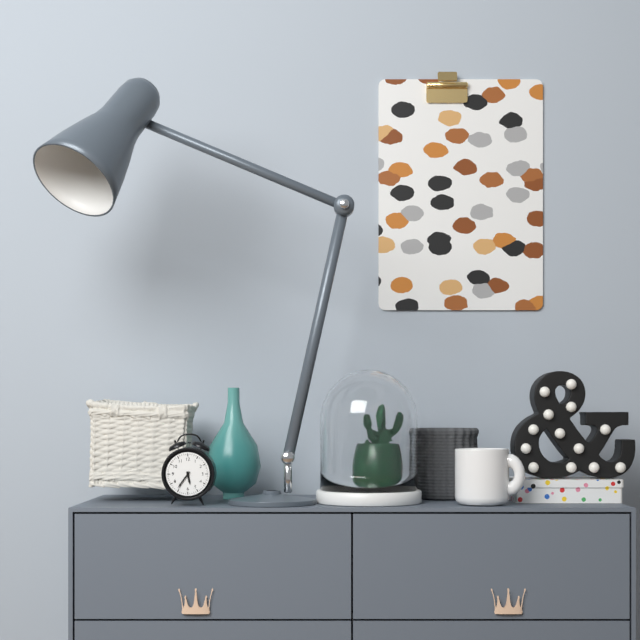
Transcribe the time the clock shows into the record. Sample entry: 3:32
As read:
5:36
